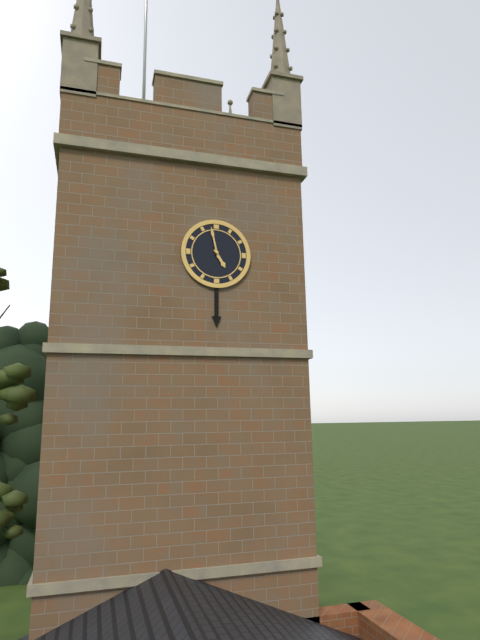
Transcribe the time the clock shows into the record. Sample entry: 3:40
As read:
4:58
